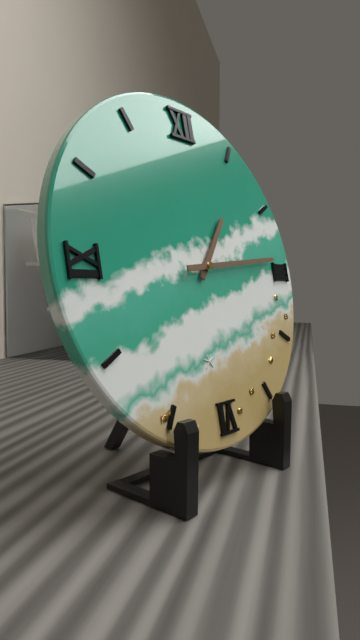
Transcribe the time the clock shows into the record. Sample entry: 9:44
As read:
1:14
